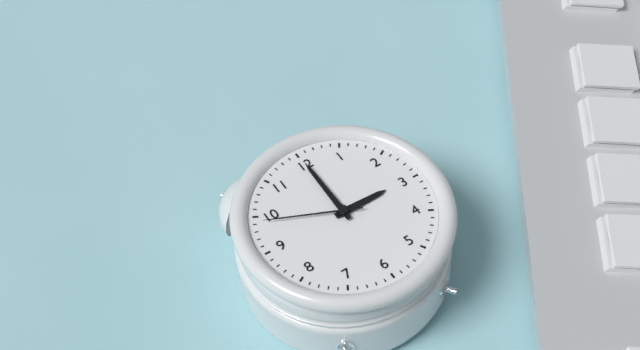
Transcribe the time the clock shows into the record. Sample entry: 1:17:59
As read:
3:00:49
